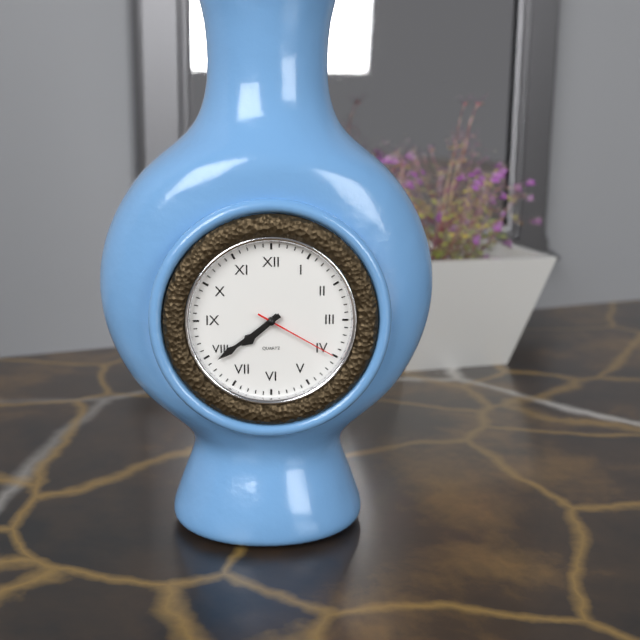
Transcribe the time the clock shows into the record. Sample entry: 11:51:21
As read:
7:39:20
